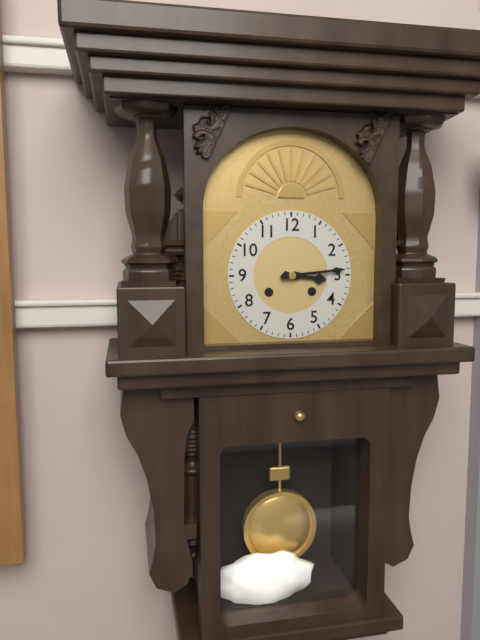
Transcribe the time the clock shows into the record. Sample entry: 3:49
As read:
3:14
